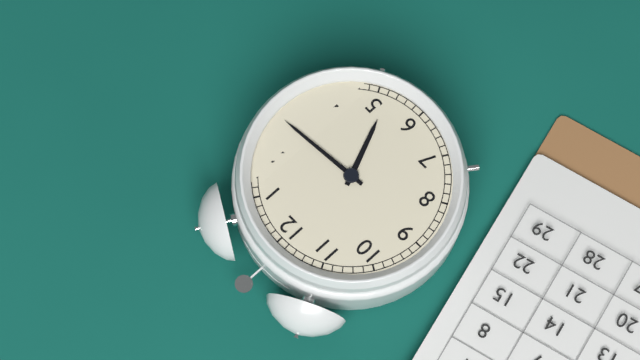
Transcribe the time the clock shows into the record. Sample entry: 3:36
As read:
5:14
